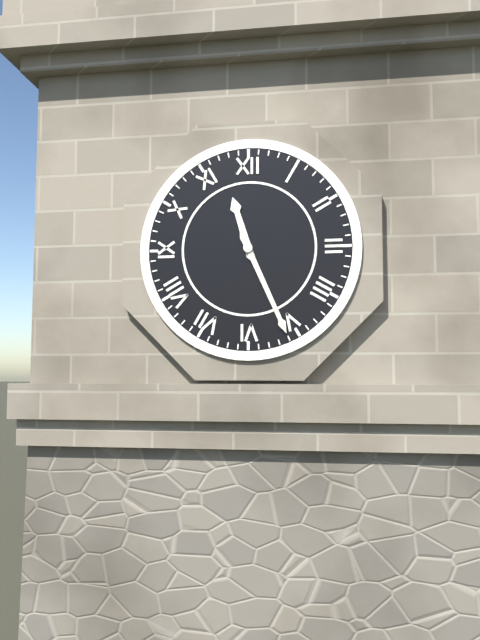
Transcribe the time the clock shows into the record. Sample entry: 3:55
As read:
11:26
